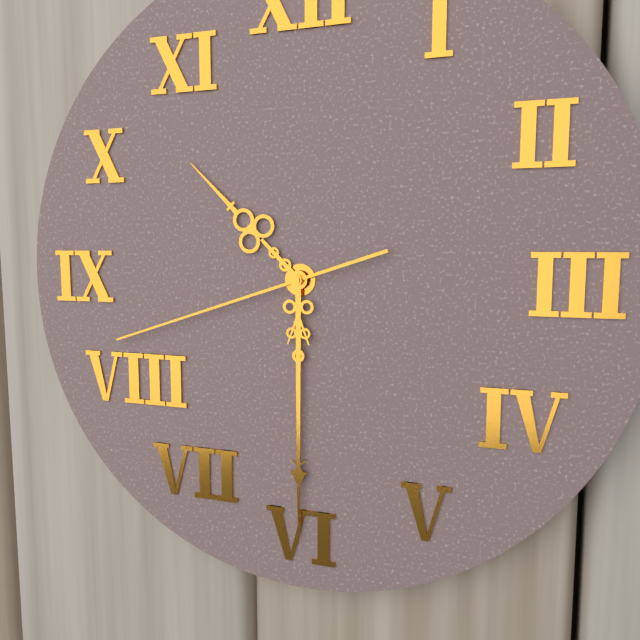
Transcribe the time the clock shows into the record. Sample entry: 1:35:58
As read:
10:30:42
